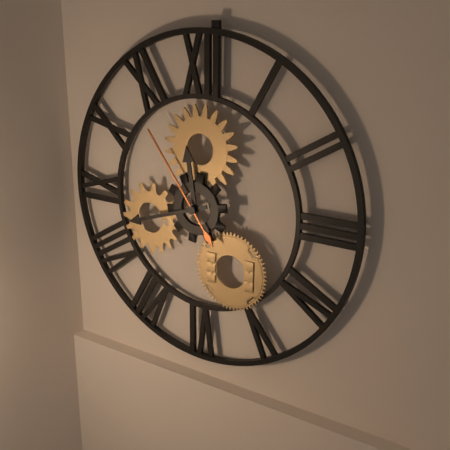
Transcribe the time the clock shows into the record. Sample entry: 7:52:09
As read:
11:42:54
